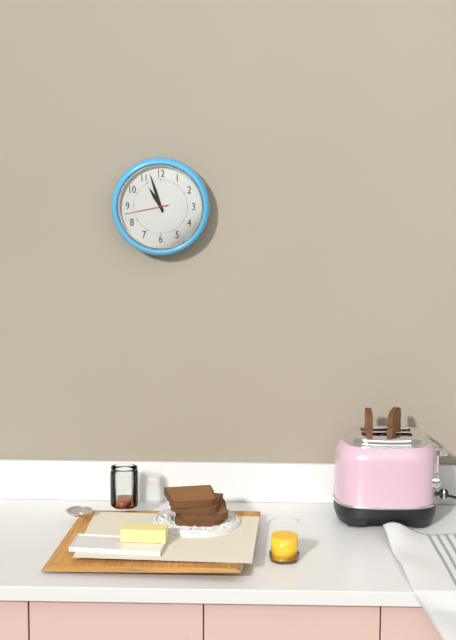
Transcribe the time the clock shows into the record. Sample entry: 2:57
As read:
10:57
